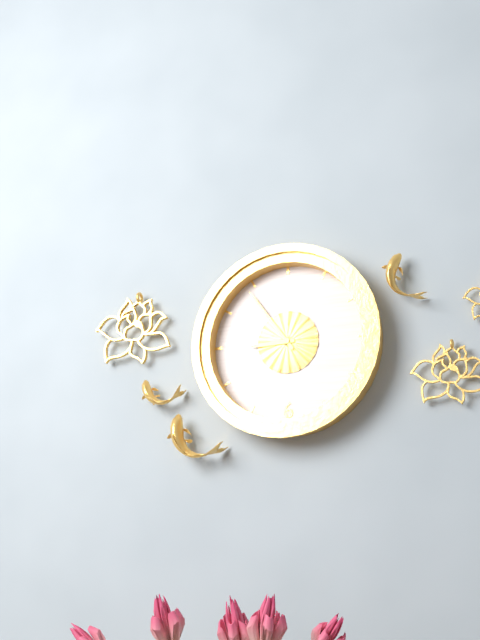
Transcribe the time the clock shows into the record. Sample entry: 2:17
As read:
8:54
